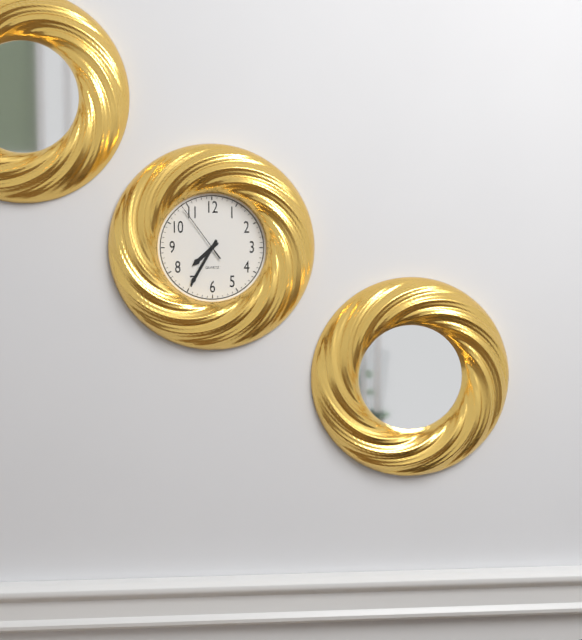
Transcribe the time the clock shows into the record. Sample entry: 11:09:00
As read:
7:35:54
